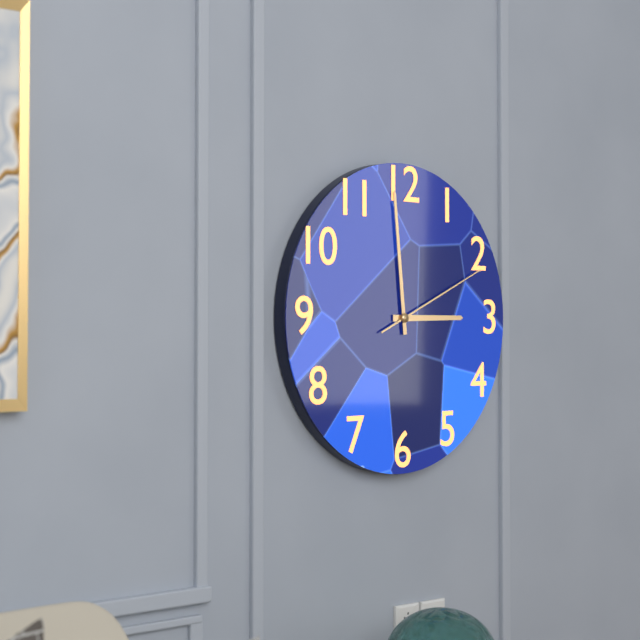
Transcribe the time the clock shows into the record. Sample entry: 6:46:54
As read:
2:59:11
